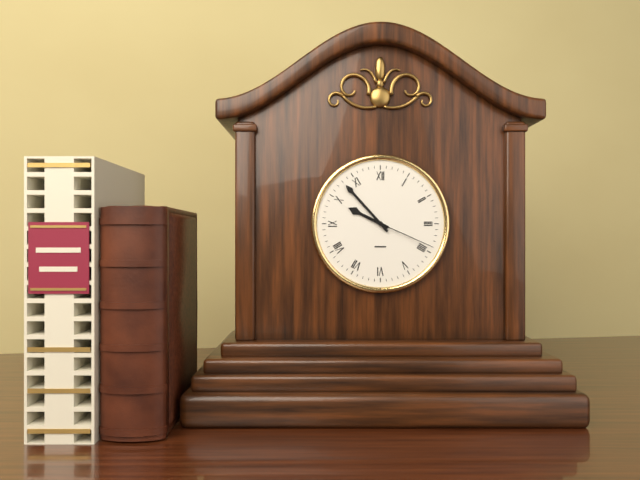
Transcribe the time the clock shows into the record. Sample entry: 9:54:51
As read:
9:53:19
